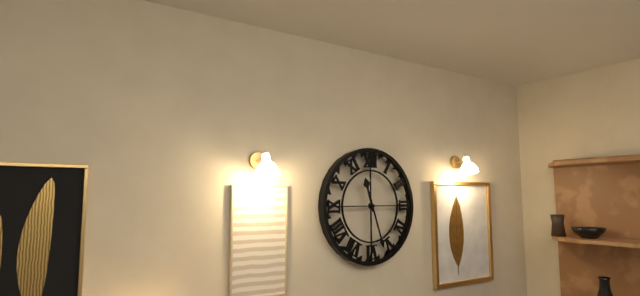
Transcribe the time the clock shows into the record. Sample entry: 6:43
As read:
11:27
